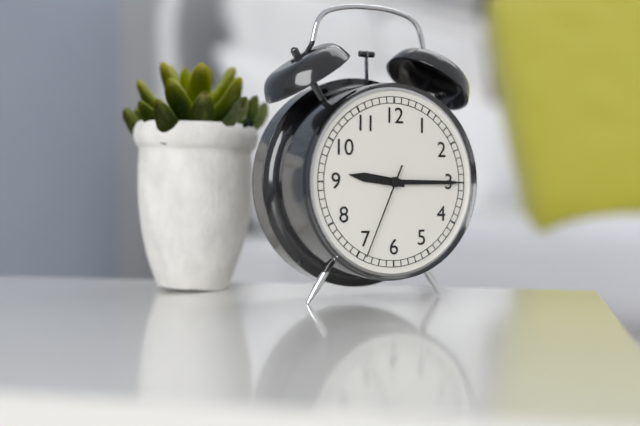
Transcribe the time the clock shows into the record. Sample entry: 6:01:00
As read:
9:15:34
